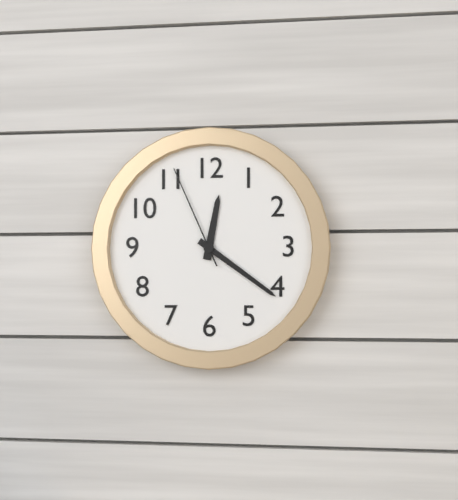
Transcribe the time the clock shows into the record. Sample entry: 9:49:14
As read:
12:21:56
